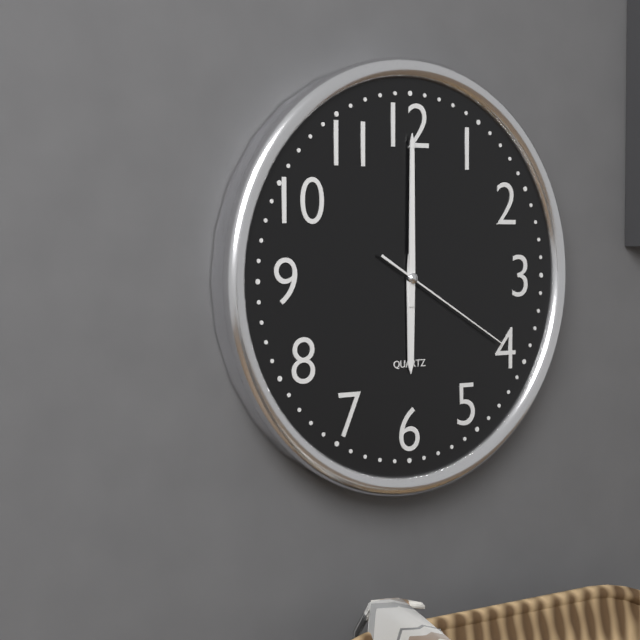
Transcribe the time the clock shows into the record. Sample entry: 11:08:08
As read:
6:00:20
